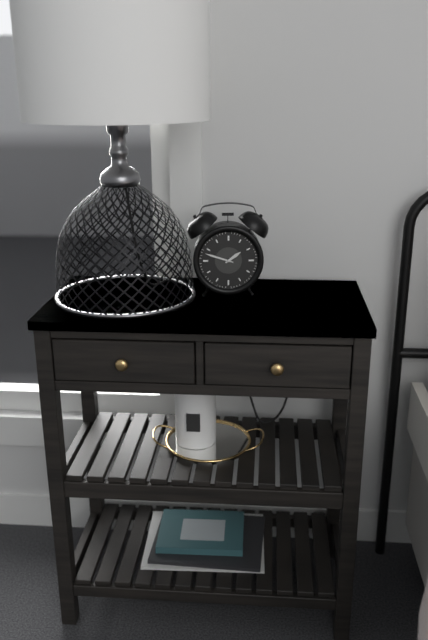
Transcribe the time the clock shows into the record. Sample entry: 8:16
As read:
1:48
